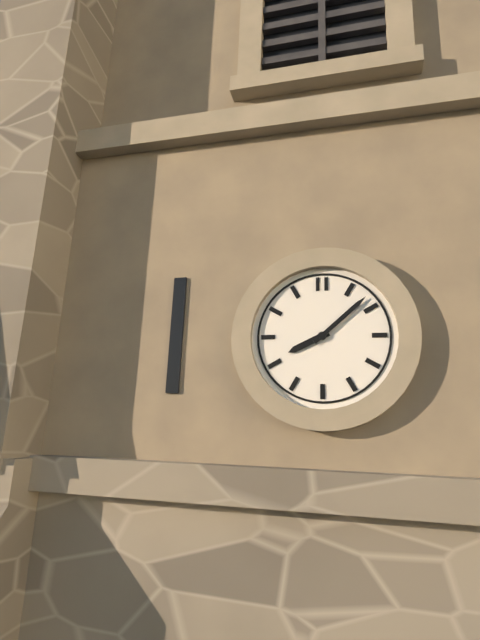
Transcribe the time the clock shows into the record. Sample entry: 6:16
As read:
8:08
